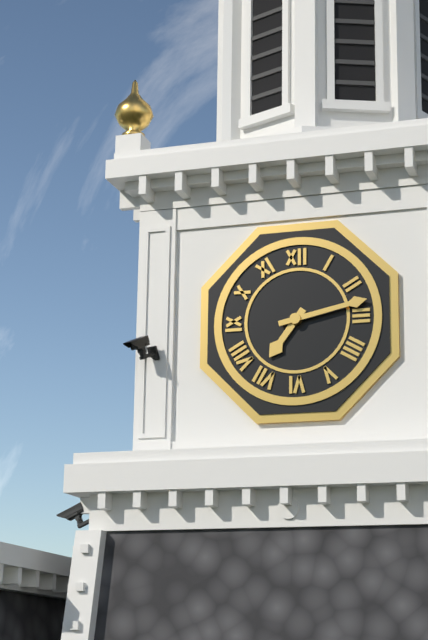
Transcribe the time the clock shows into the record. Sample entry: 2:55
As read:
7:13
